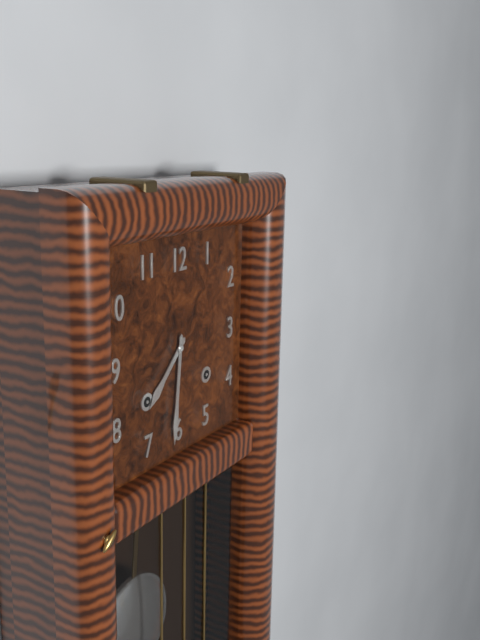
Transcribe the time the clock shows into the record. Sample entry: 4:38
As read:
7:31
